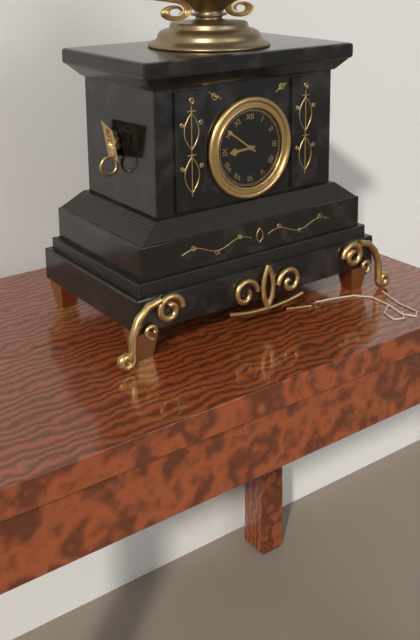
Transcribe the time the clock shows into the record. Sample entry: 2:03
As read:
8:51
